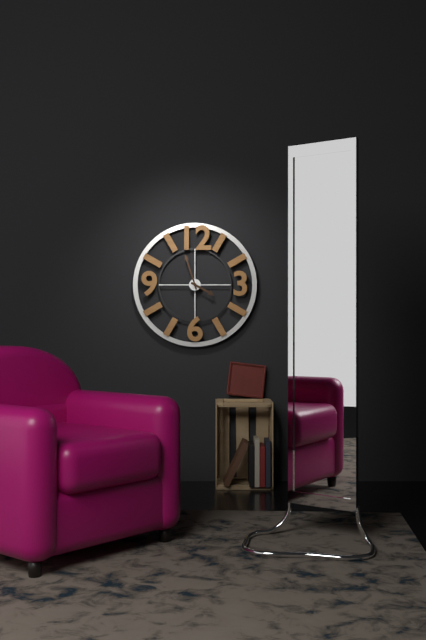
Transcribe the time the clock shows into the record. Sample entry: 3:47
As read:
3:57
